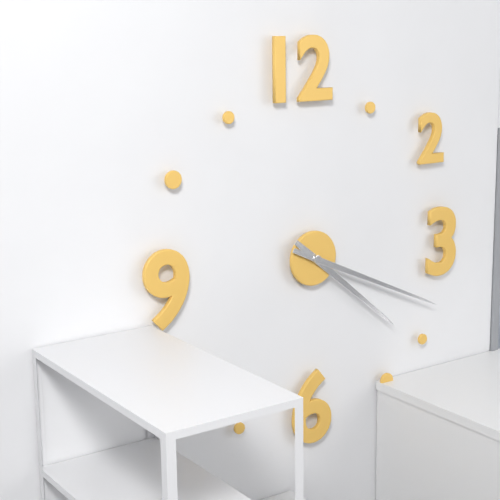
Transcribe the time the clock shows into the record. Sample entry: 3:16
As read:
4:19
